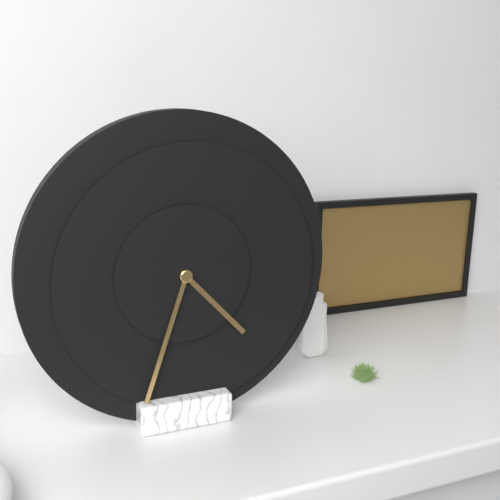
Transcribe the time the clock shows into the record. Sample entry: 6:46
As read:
4:33
